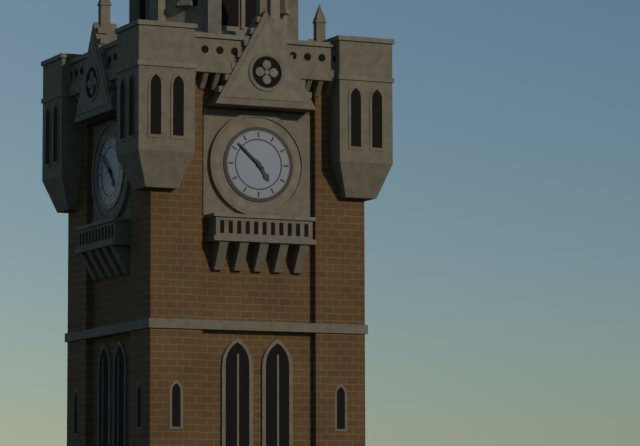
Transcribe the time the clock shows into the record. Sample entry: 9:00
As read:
4:52
